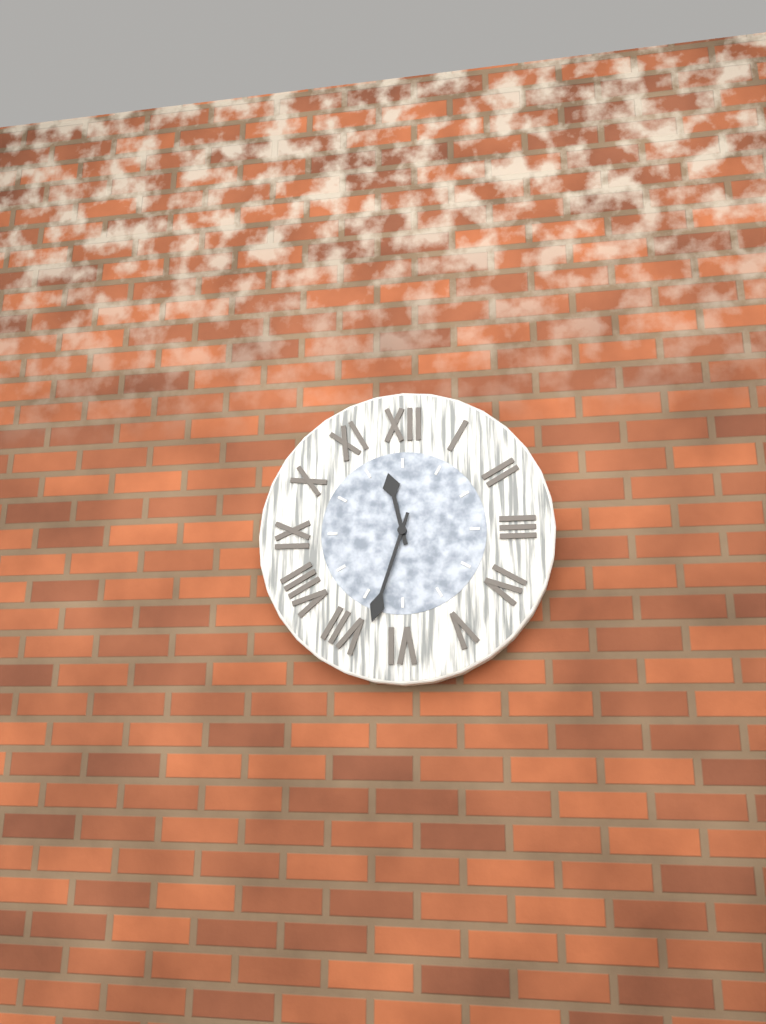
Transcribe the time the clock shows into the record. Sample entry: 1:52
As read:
11:33
